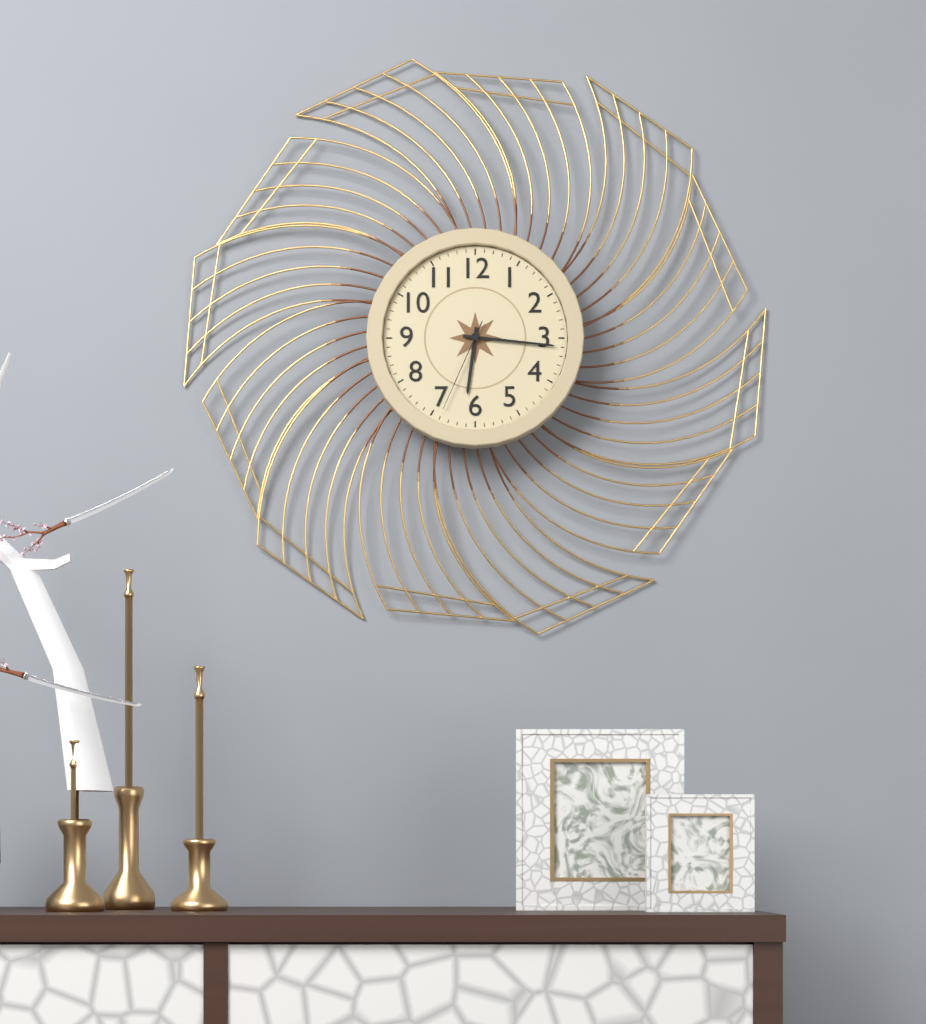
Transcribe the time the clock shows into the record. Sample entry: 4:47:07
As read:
6:16:34
